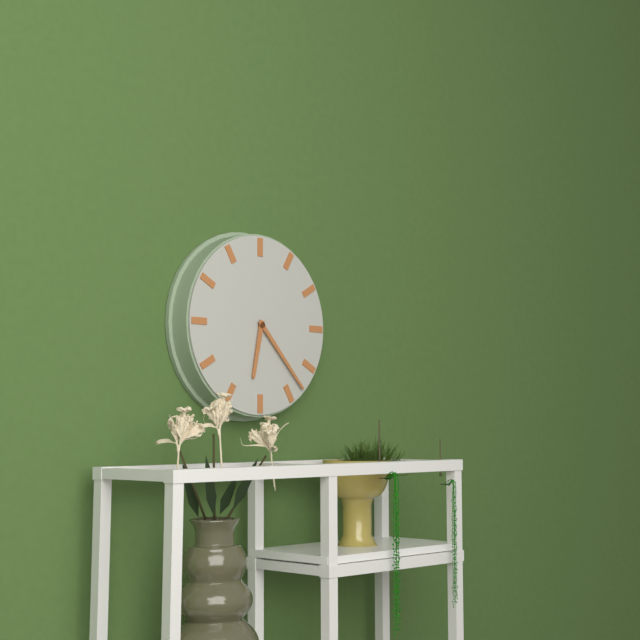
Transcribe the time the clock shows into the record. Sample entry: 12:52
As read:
6:23
